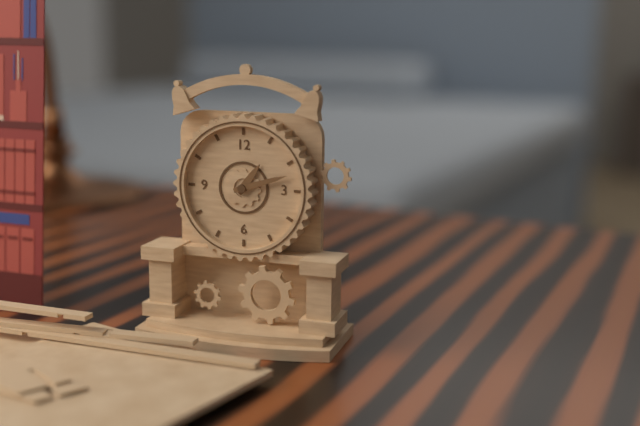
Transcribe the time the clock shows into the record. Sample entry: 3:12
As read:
1:12
